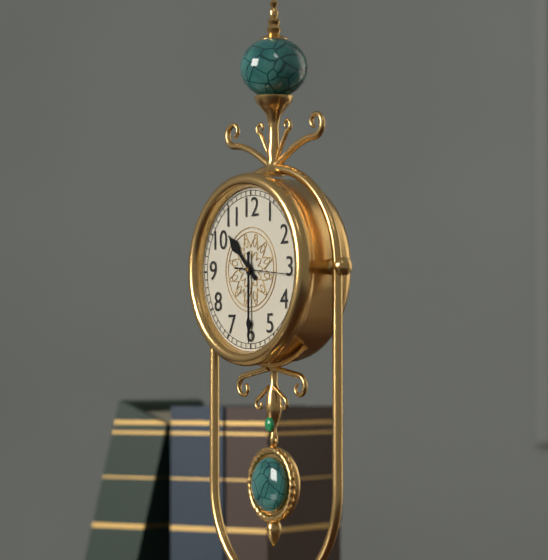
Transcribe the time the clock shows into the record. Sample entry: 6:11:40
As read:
10:30:16
